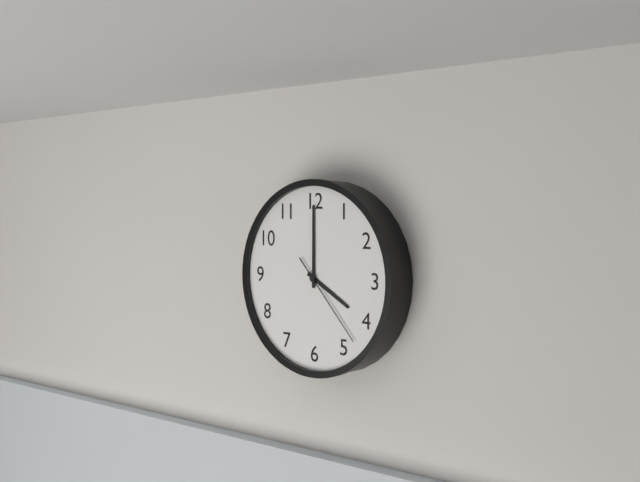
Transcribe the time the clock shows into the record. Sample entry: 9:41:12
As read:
4:00:23
